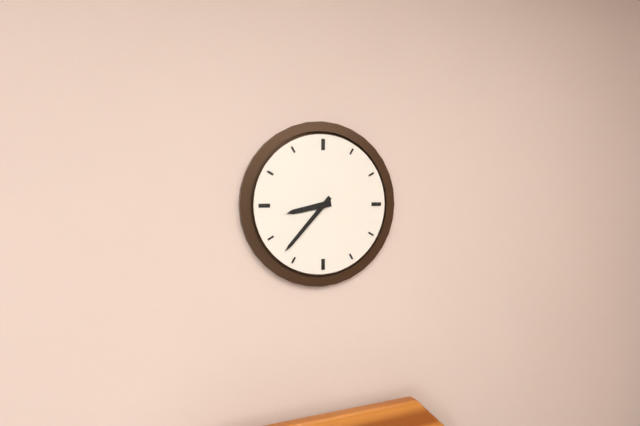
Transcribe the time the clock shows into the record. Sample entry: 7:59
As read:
8:37
